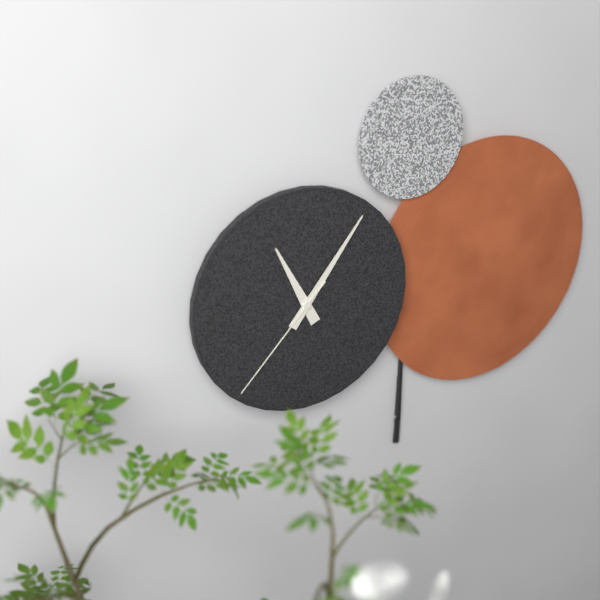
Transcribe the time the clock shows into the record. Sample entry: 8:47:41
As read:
11:06:37
